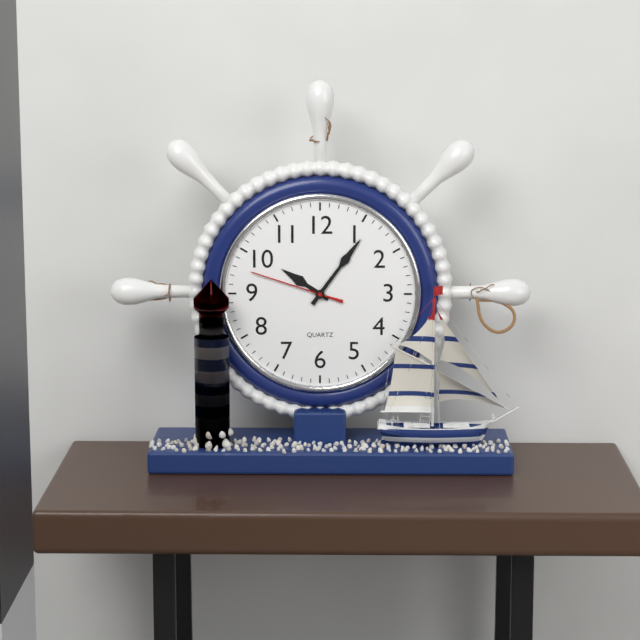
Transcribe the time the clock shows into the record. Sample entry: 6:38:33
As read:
10:06:48
